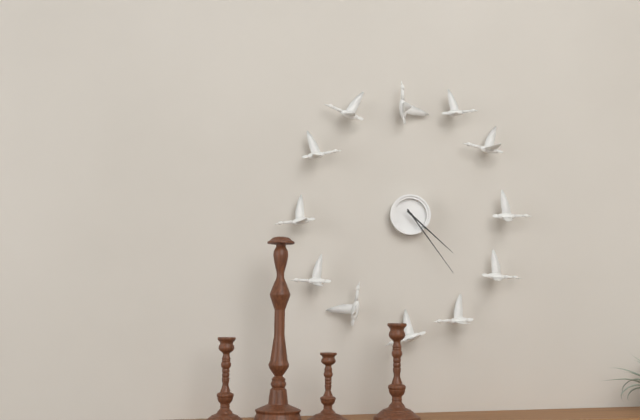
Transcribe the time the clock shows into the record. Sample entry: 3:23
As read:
4:24
